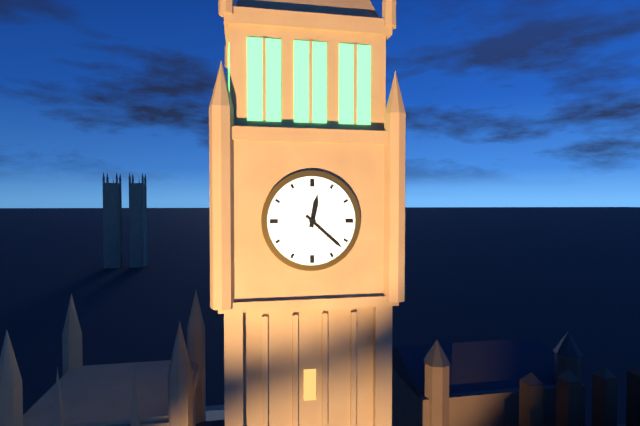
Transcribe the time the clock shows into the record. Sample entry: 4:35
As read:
12:22
